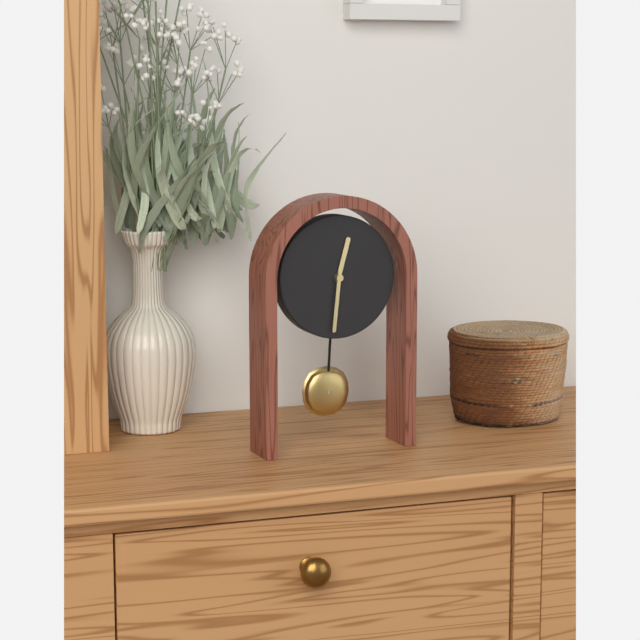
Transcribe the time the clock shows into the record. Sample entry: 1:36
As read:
12:31
